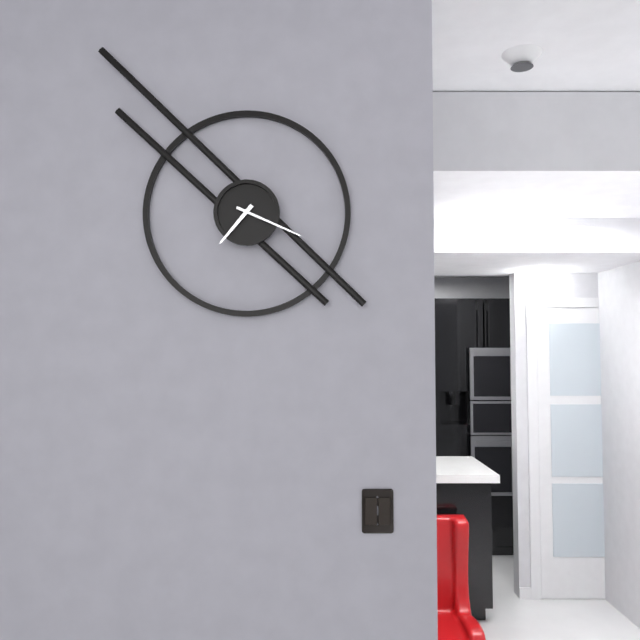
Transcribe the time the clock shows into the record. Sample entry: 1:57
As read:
7:19
